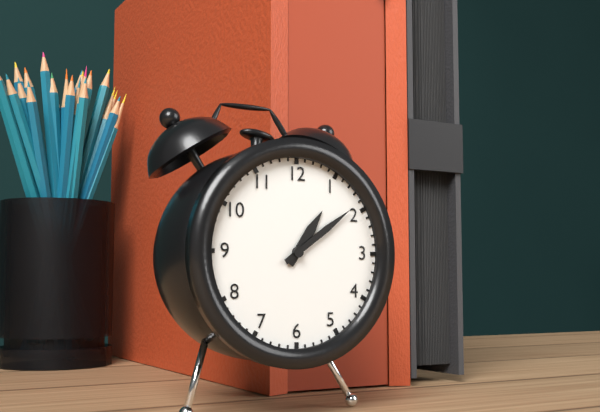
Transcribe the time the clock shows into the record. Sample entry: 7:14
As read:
1:09
